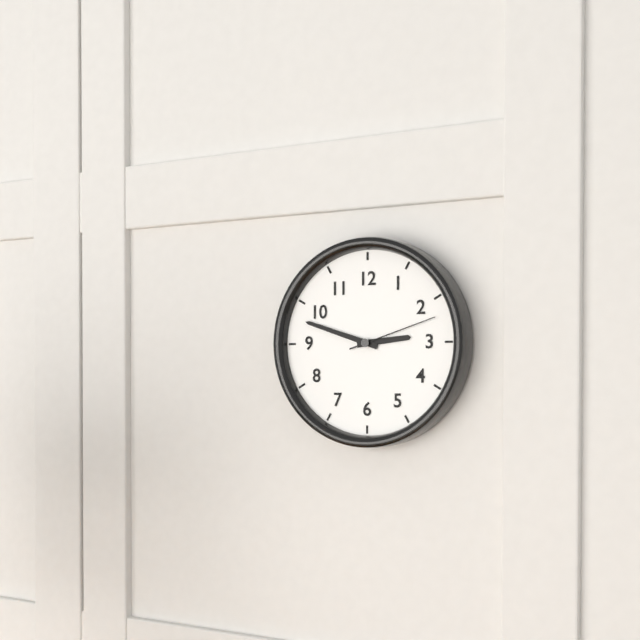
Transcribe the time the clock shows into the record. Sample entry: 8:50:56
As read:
2:48:12
